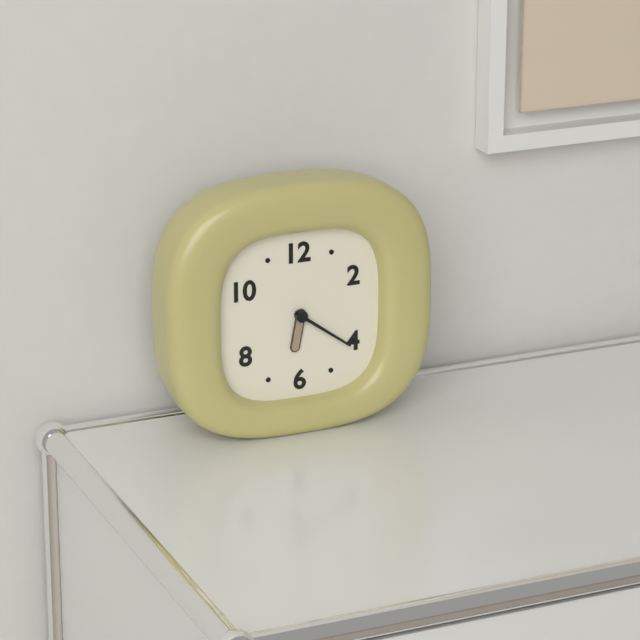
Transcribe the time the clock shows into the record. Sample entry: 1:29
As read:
6:21
